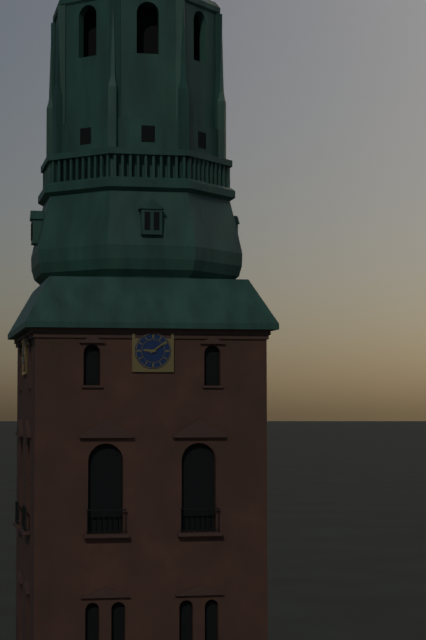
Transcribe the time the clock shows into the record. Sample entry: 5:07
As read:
9:09
